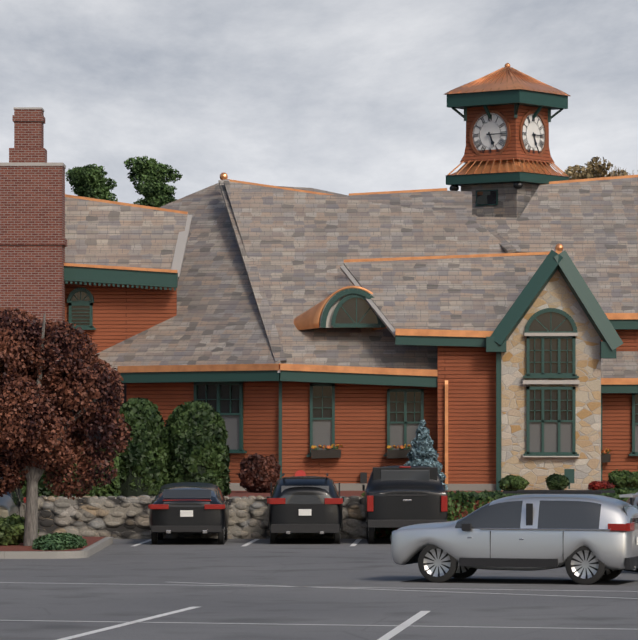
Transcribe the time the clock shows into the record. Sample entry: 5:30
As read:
5:15
